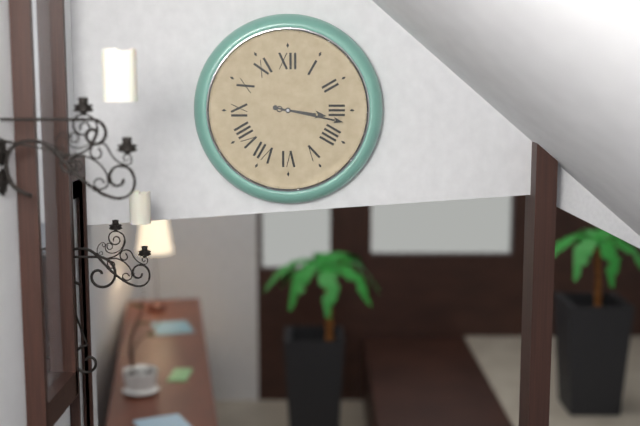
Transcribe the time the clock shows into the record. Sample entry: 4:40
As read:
3:17
